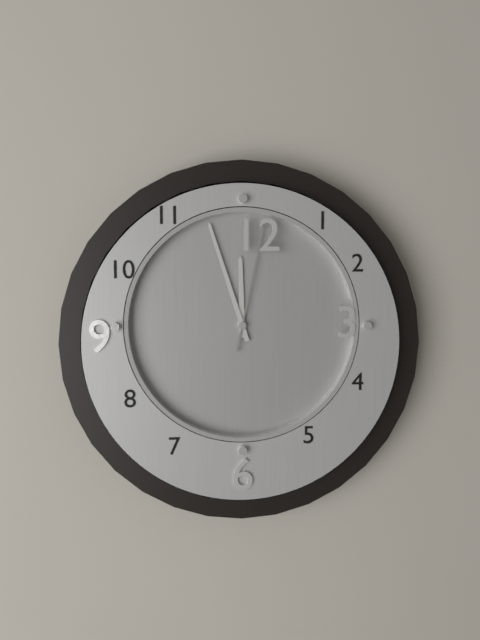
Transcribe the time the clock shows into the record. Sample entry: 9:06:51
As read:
11:57:02
